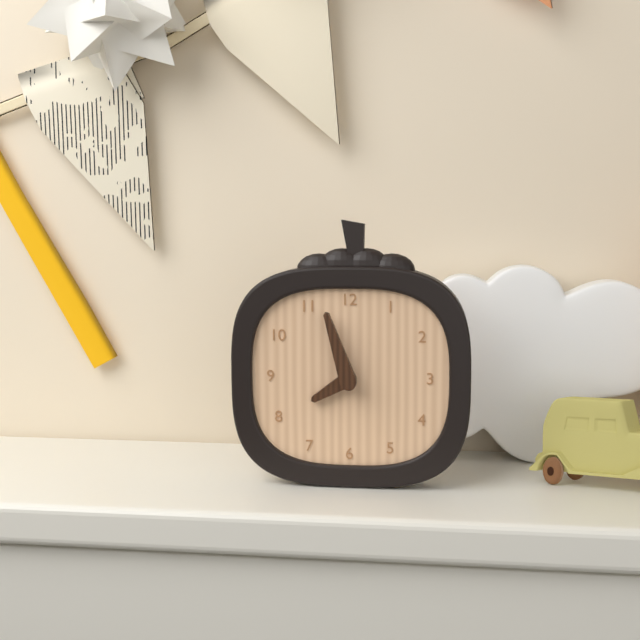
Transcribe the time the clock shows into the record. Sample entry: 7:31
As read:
7:57
